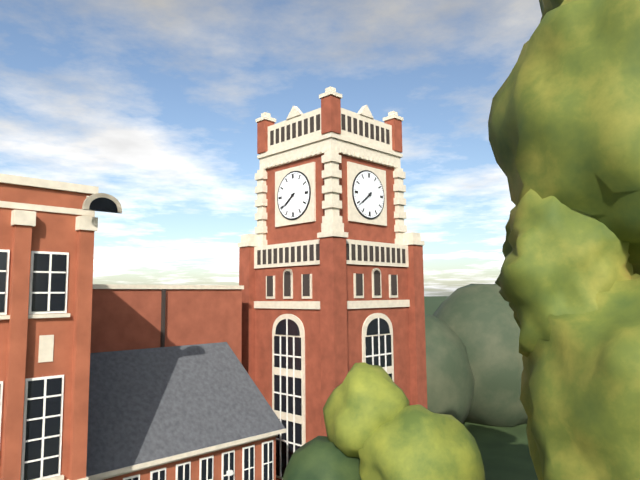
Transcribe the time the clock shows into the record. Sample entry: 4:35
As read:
7:39
